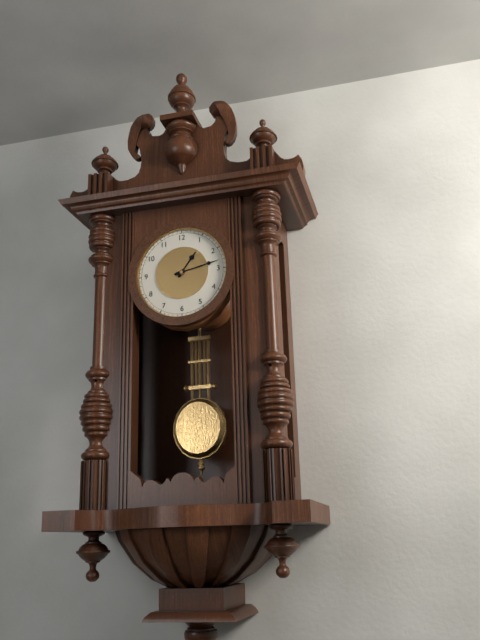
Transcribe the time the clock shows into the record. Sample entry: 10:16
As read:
1:13
